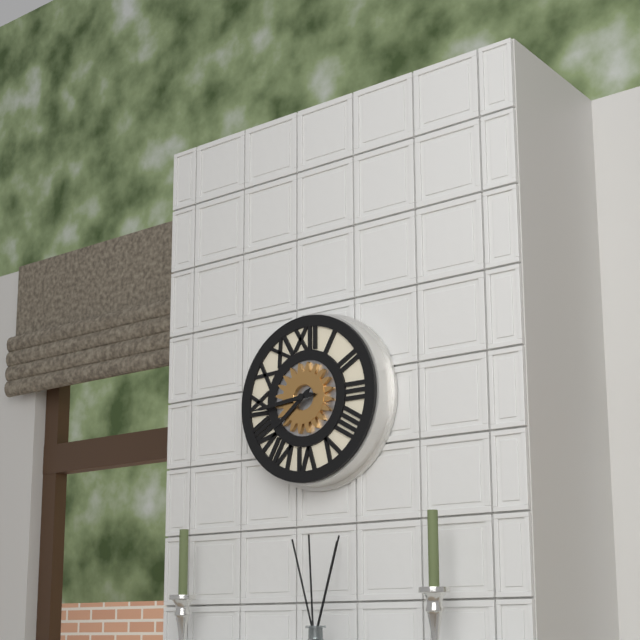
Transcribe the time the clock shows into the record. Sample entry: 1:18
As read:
7:44
